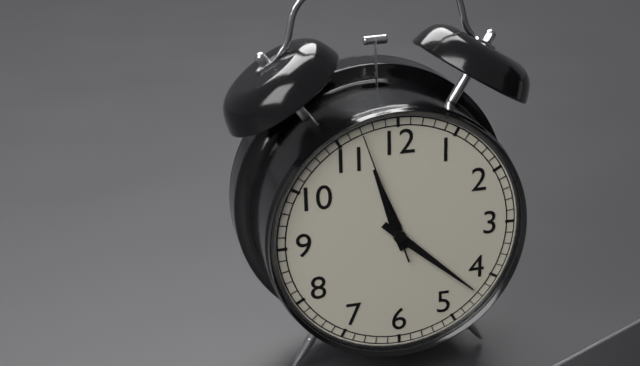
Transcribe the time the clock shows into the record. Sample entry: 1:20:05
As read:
11:22:57
